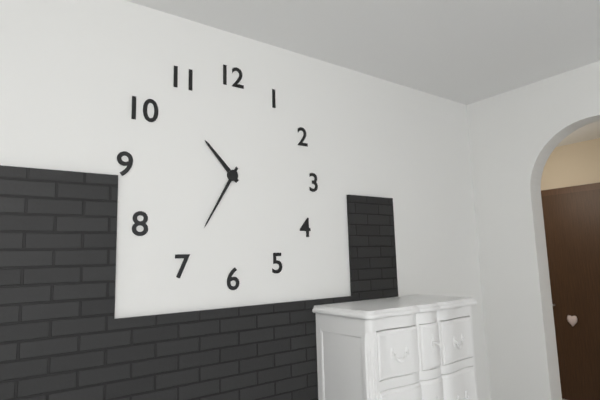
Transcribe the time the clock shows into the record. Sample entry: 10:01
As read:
10:35
